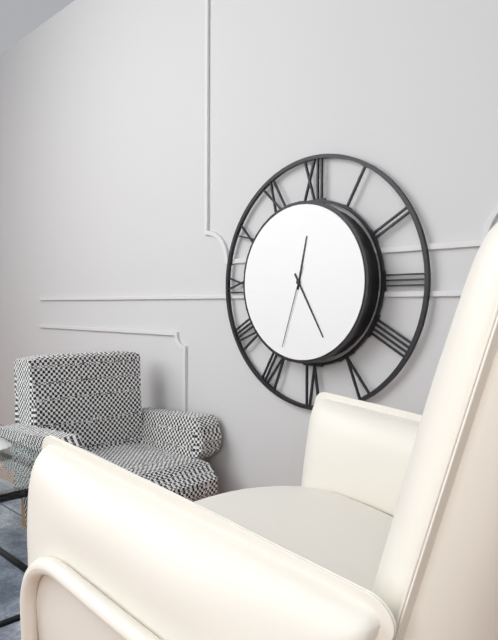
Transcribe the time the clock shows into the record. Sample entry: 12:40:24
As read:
12:25:33
